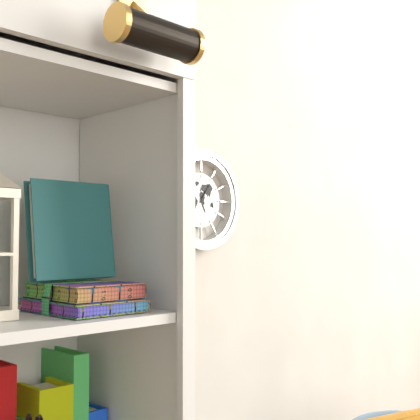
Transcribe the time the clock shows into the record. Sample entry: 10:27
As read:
5:06
